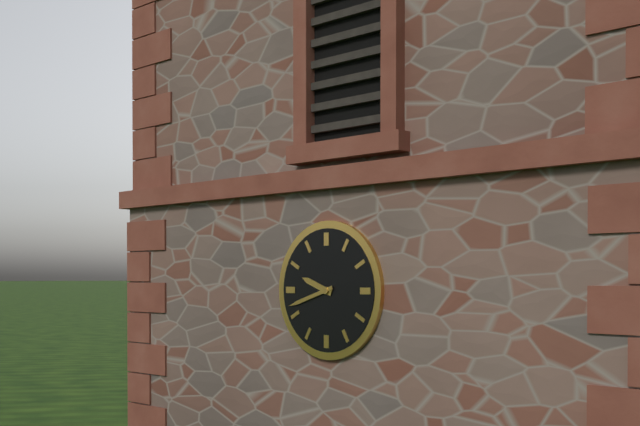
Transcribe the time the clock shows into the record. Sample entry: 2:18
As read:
9:42
